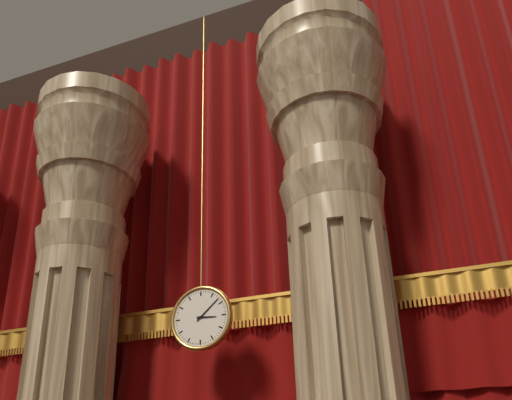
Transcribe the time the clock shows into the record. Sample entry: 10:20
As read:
3:08
